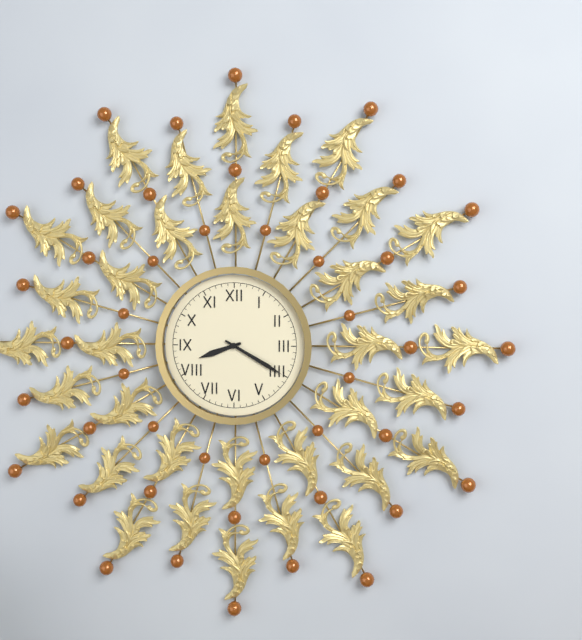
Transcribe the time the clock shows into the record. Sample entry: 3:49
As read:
8:20
